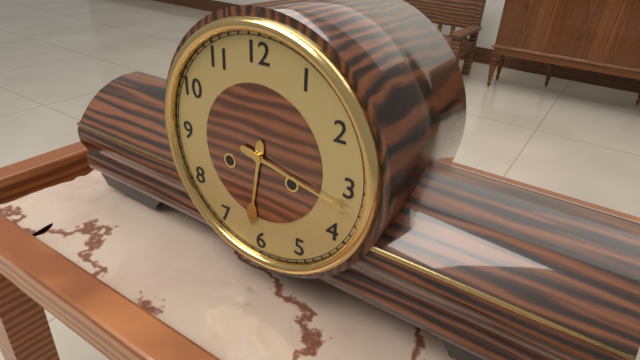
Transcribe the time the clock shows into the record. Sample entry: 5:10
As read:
6:17
